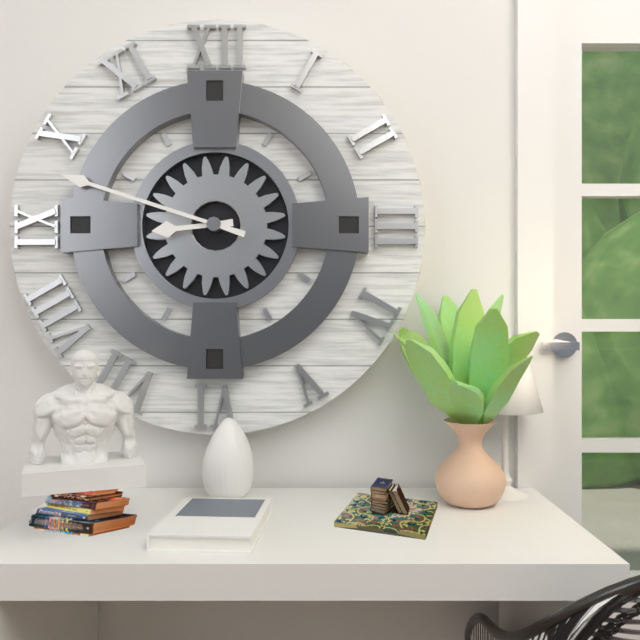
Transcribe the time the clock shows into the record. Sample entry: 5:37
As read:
8:48
